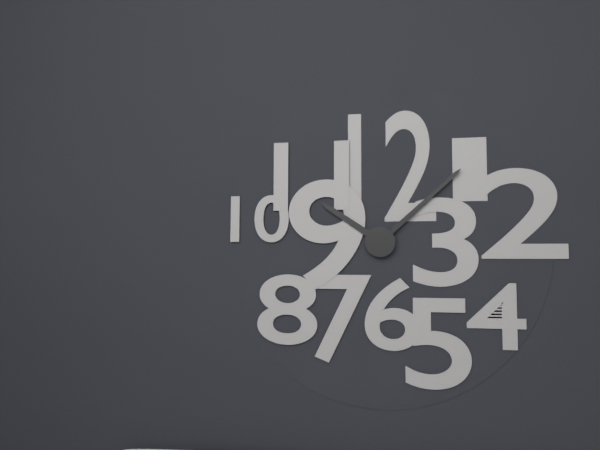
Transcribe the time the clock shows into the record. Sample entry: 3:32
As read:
10:08
